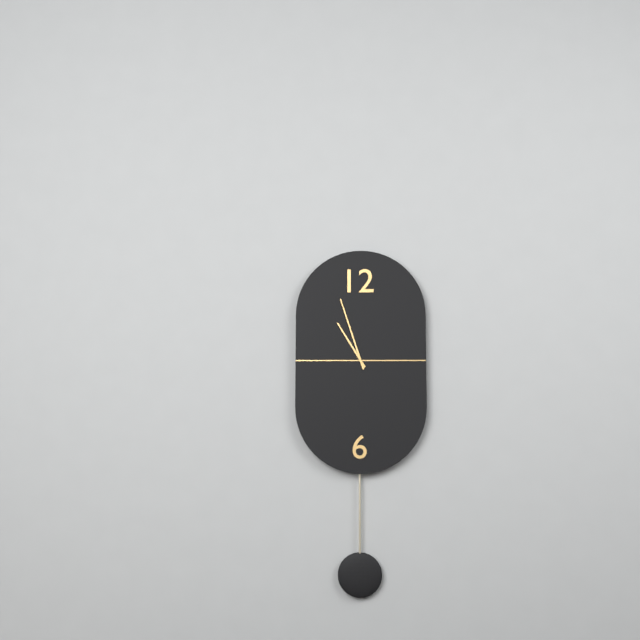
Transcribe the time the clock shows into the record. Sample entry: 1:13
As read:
10:57
